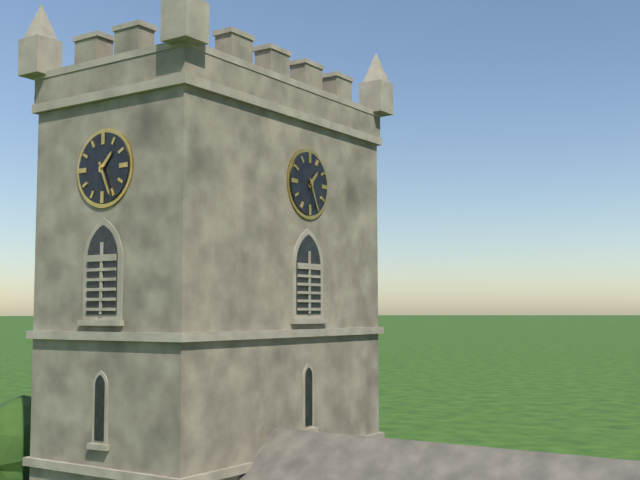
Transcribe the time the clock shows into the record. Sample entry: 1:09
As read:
1:26
